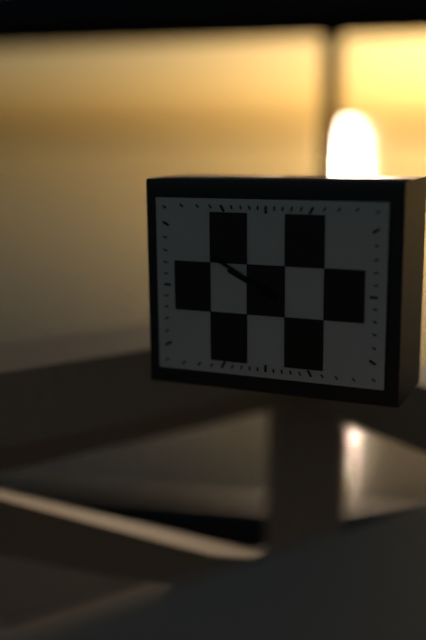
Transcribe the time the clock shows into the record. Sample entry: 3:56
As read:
9:50
